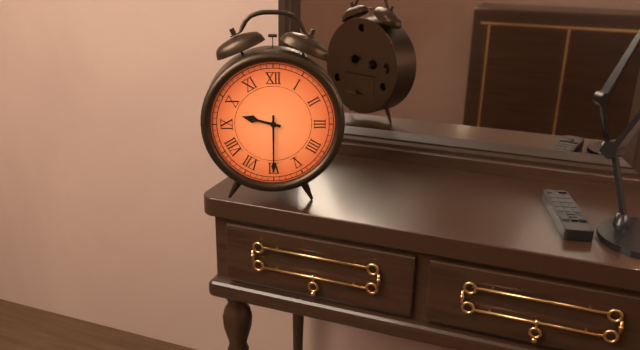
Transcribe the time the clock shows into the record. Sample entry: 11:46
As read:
9:30
